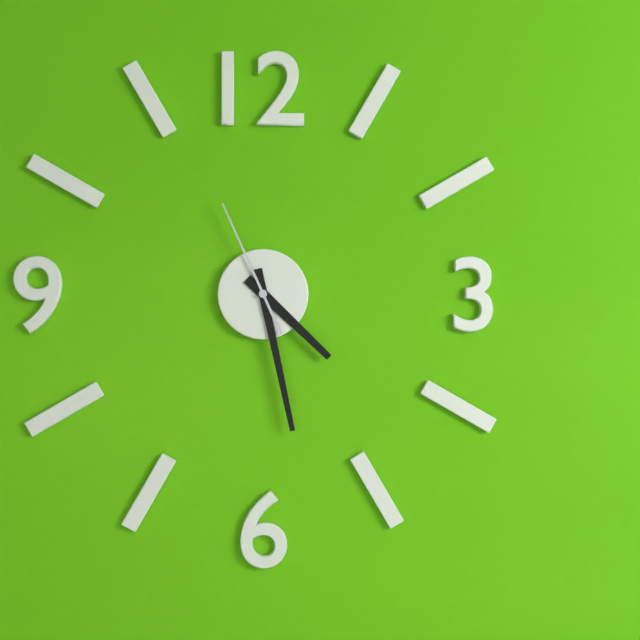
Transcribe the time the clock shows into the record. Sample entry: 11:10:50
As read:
4:28:56
